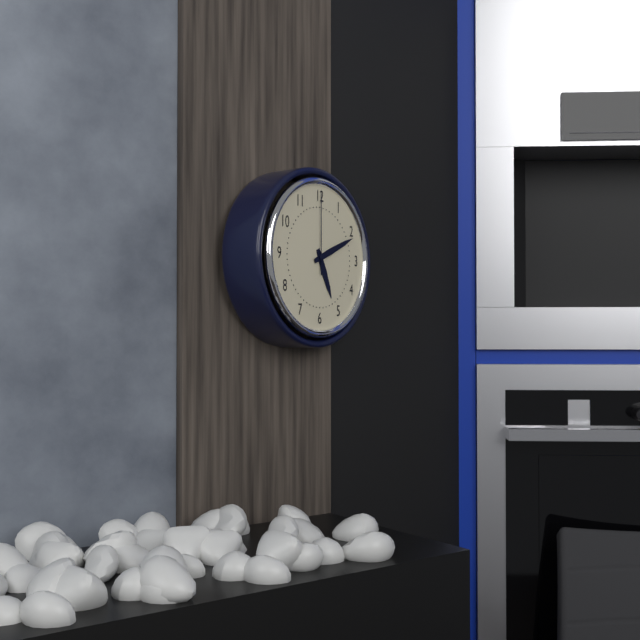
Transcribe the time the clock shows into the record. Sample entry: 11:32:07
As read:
5:11:00
